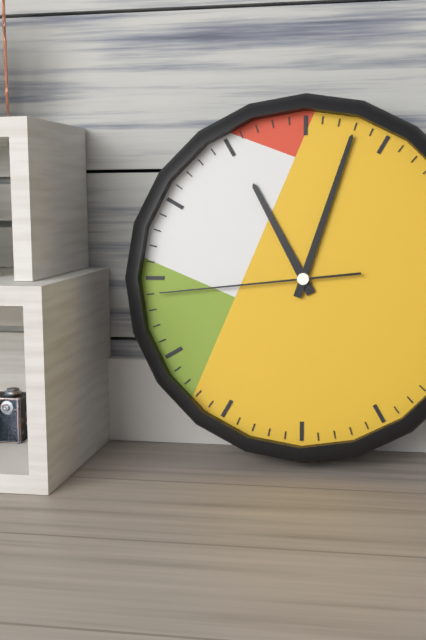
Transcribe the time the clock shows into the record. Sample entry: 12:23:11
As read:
11:03:44
